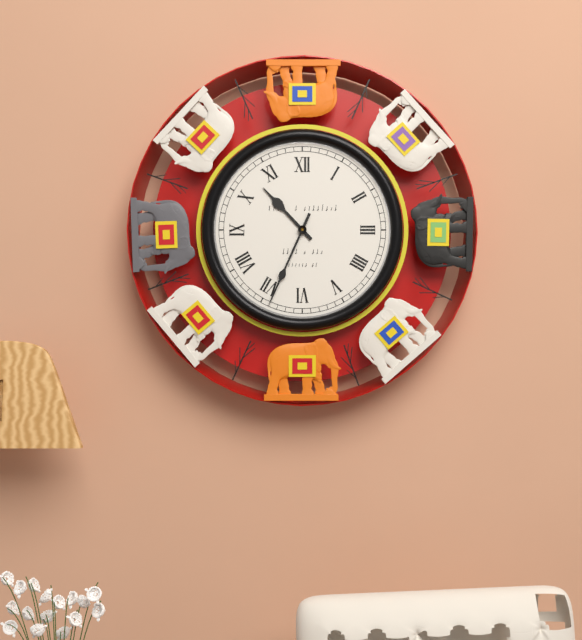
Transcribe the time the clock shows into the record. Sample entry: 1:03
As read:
10:34
